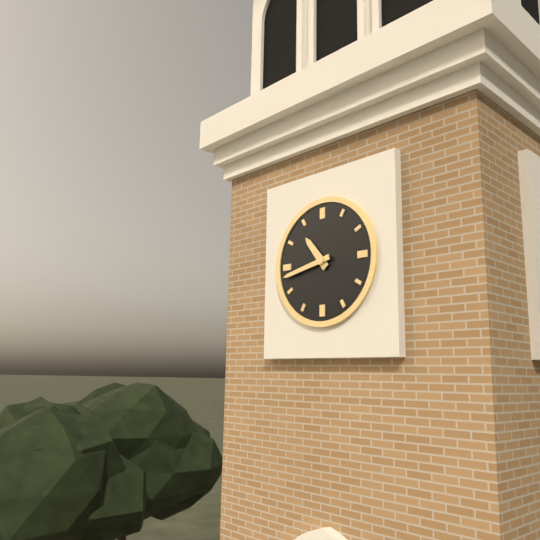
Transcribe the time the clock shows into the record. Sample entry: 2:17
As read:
10:43
